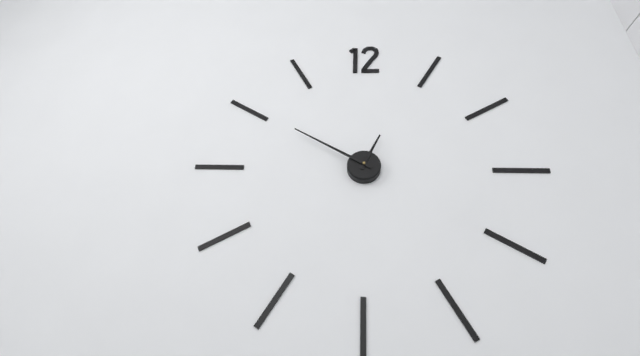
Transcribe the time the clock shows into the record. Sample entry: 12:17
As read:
12:50
